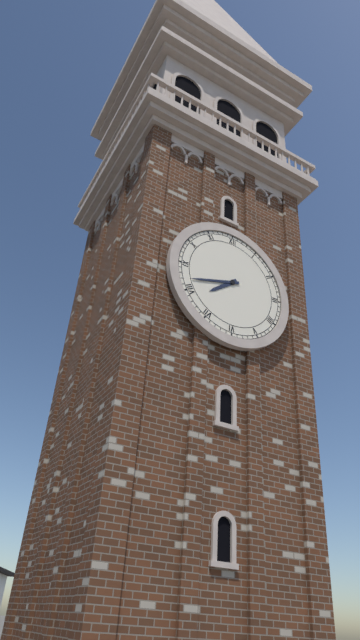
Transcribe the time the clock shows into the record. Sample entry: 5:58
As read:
7:42
